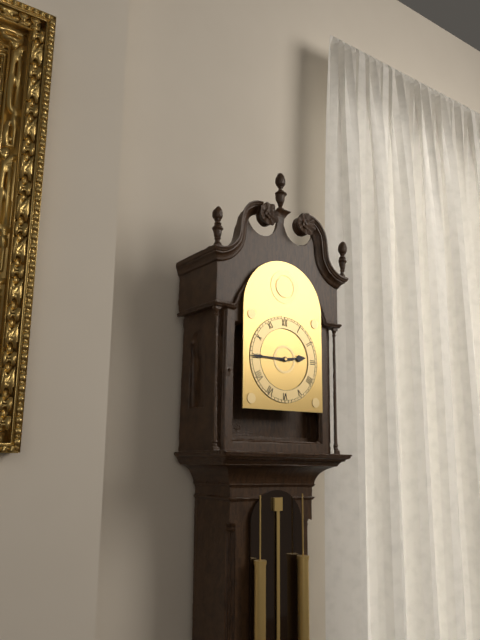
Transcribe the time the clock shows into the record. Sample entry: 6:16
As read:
2:45
